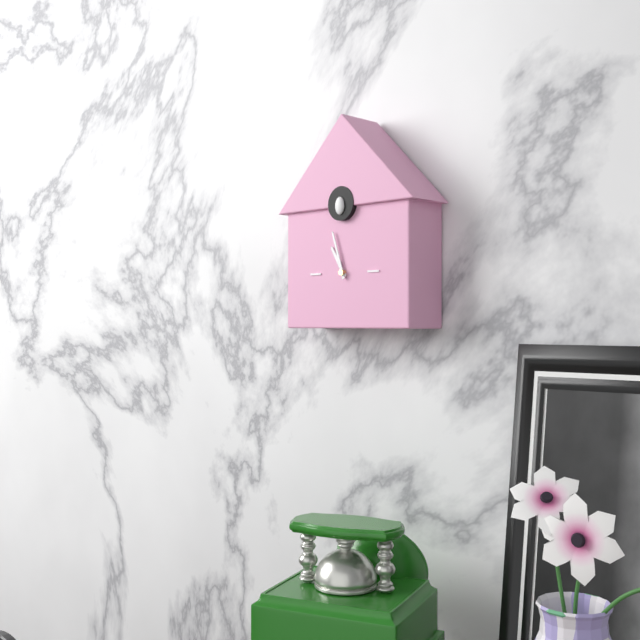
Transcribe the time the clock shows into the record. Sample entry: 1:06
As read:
10:57
